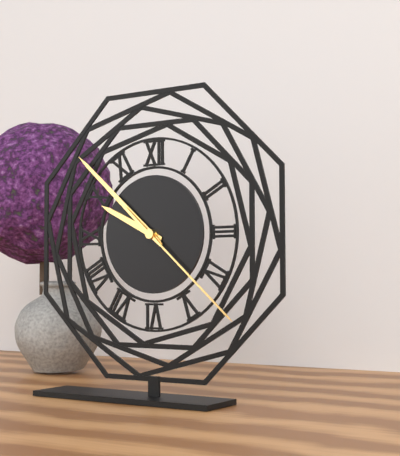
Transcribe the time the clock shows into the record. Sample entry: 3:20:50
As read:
9:52:22
